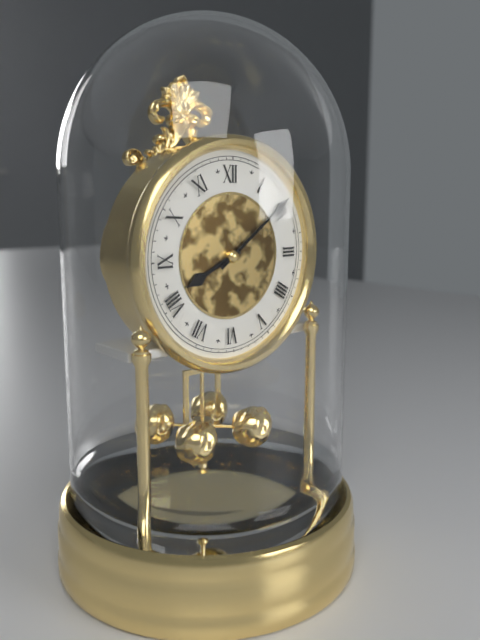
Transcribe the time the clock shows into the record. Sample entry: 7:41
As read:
8:09
